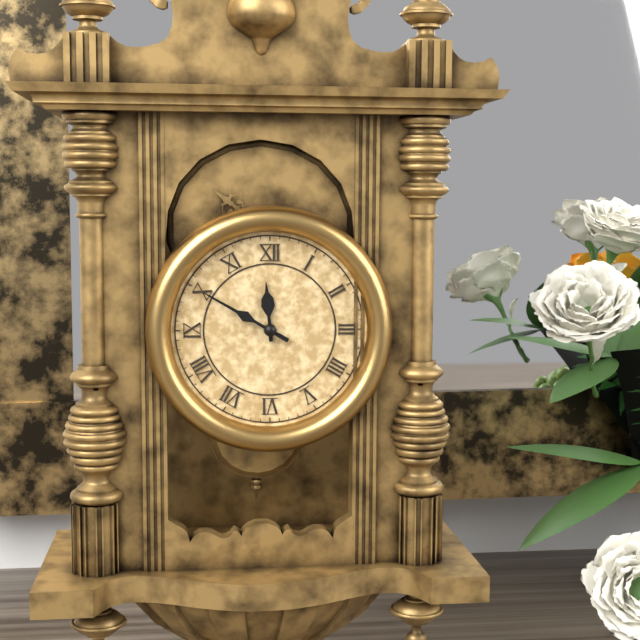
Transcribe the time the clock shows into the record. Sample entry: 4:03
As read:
11:50
